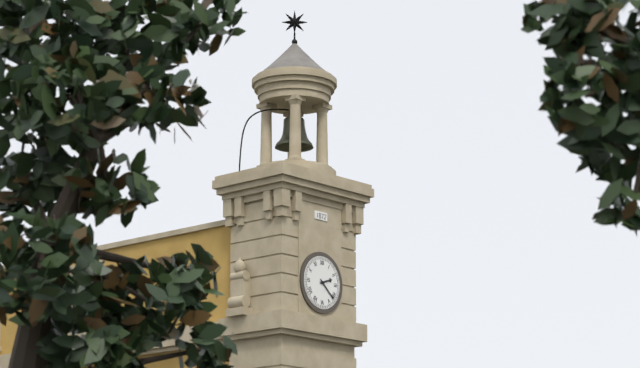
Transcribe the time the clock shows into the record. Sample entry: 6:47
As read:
2:22
